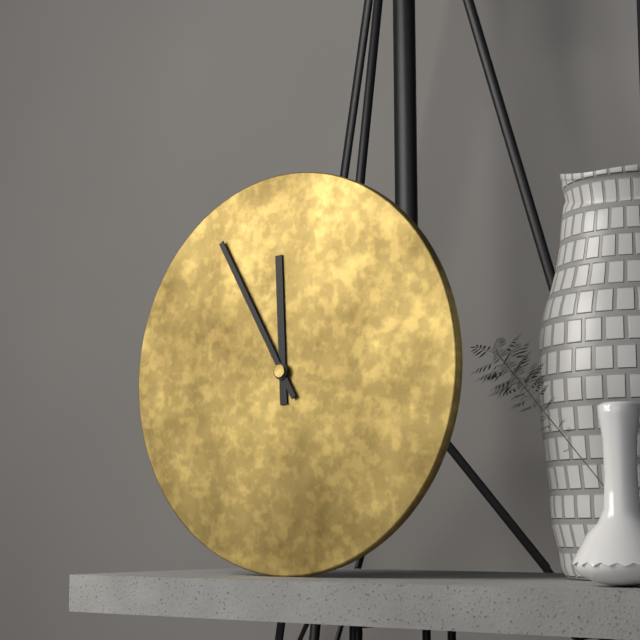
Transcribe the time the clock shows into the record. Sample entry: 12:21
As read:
11:55
